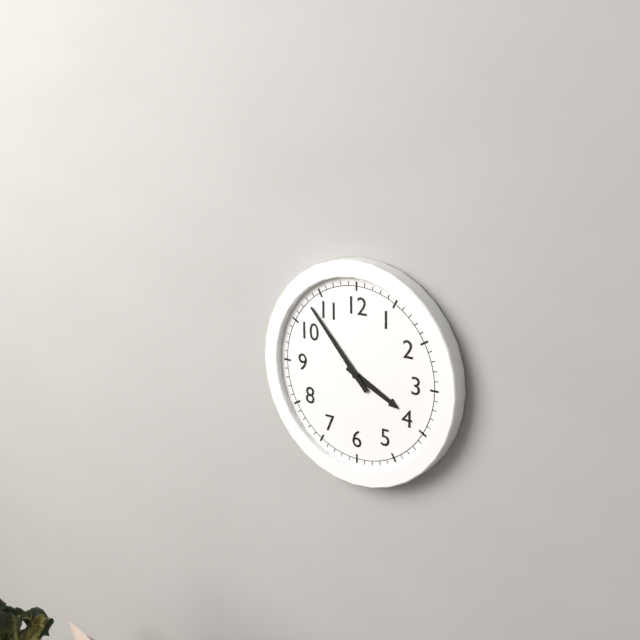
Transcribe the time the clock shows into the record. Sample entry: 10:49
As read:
3:53
